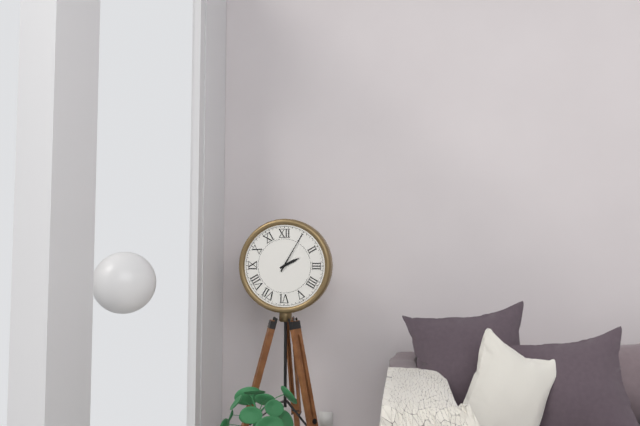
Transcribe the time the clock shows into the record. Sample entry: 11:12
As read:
2:05
